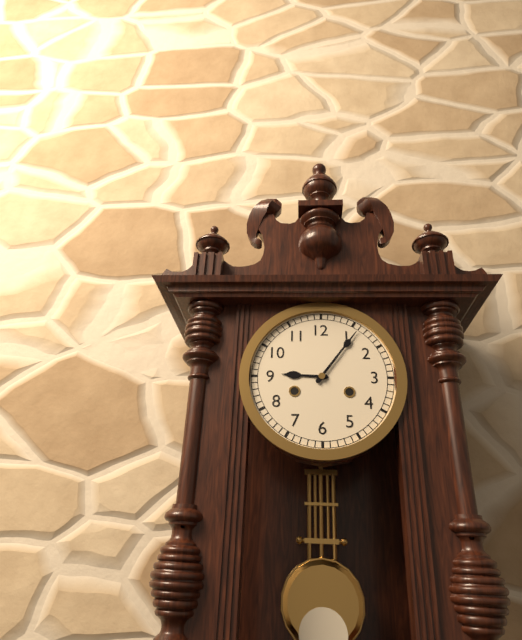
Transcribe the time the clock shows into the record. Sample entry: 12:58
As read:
9:06
